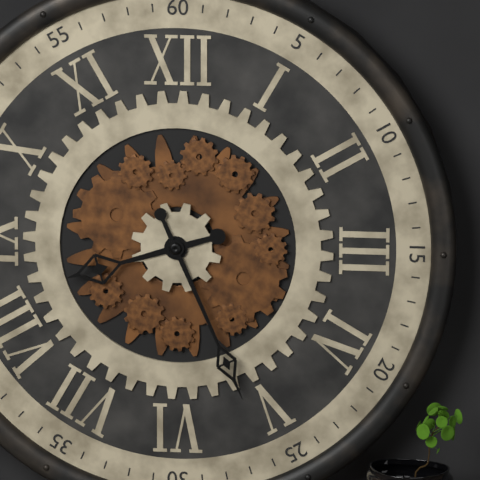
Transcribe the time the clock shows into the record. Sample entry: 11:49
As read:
8:26
